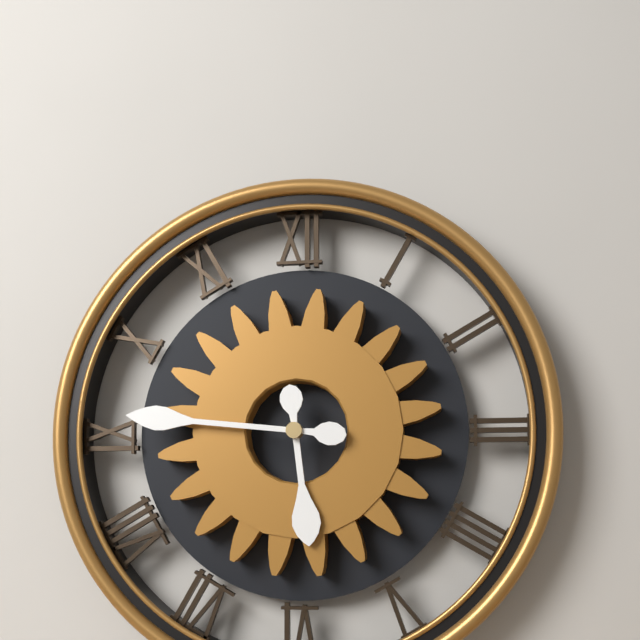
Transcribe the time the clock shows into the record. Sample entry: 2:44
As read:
5:46
